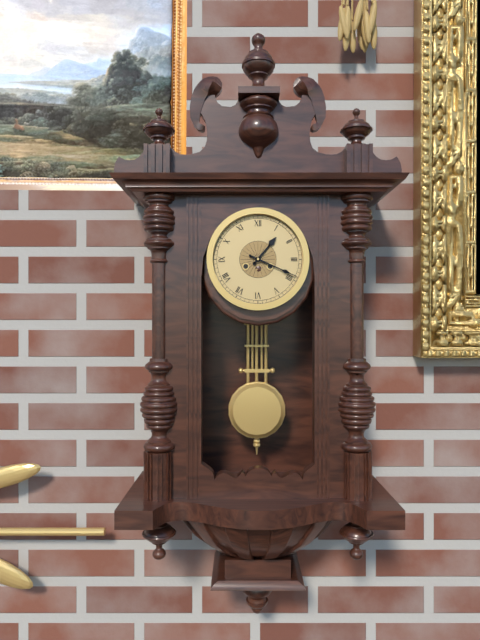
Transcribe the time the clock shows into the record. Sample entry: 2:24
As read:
1:19
